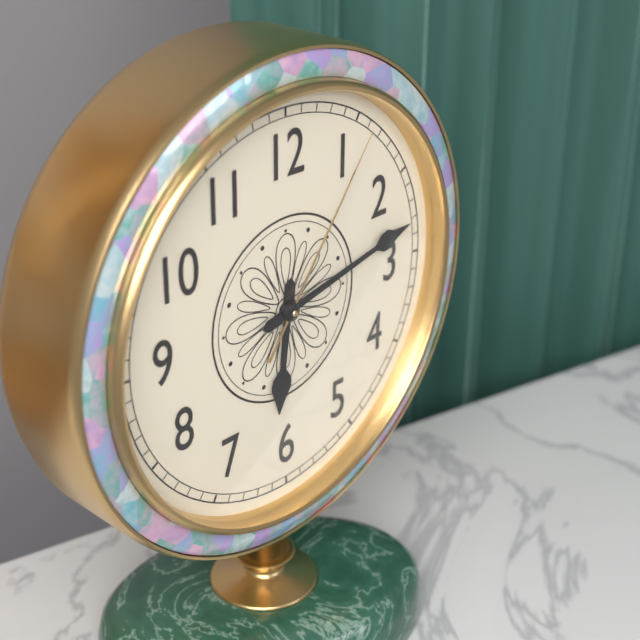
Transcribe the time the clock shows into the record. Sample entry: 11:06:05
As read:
6:13:06
